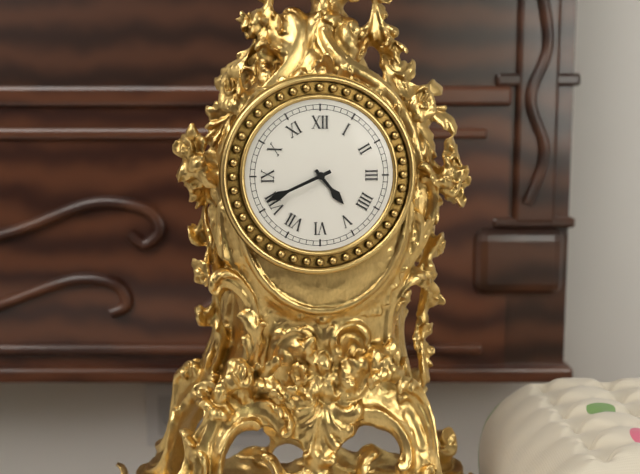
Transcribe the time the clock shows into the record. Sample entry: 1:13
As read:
4:41
